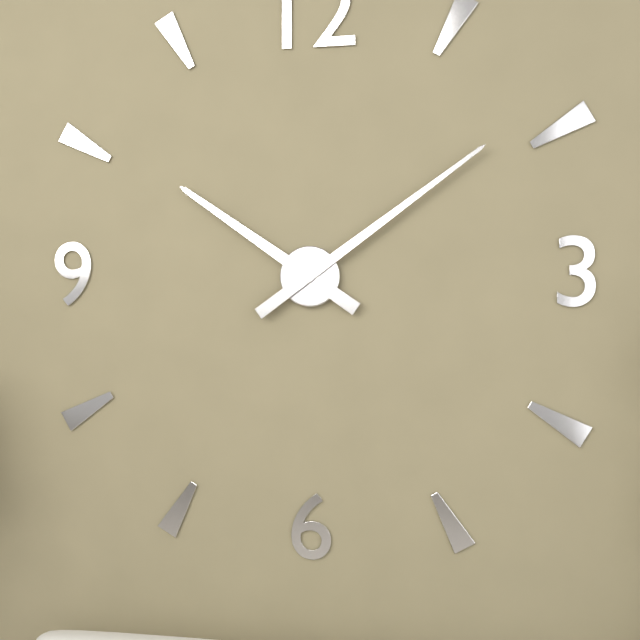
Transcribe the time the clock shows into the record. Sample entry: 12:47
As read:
10:09
